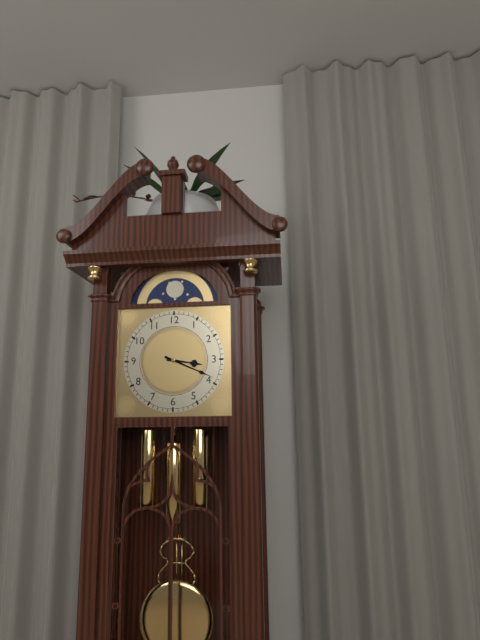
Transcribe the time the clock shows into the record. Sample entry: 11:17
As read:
3:19
